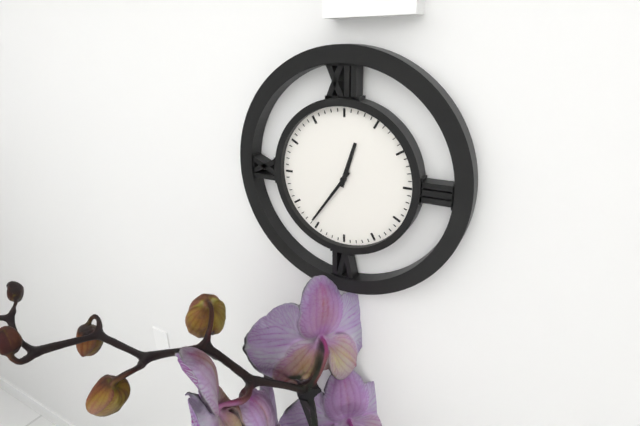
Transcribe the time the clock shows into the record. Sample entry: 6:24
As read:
12:36
